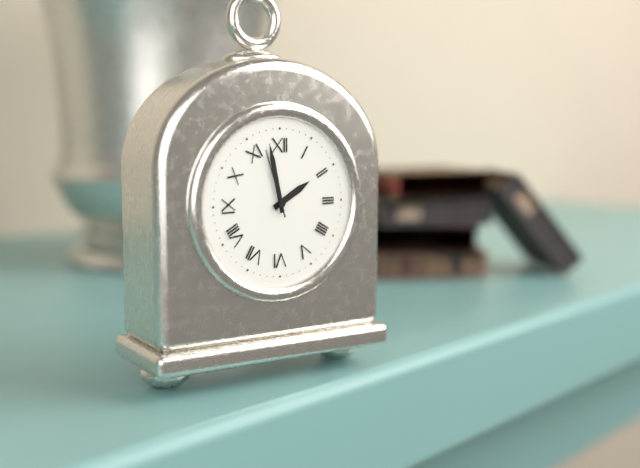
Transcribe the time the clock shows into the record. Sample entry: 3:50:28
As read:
1:58:57
